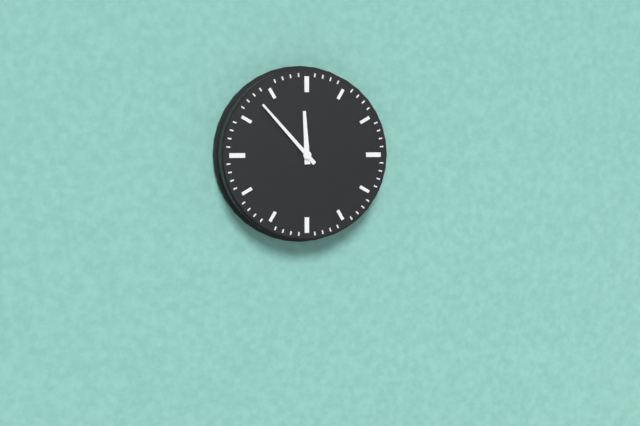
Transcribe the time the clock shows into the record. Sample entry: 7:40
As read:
11:53
